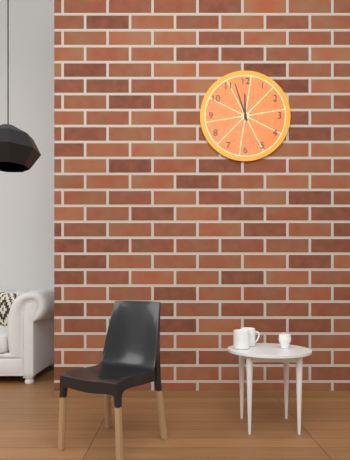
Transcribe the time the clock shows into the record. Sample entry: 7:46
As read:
11:57
